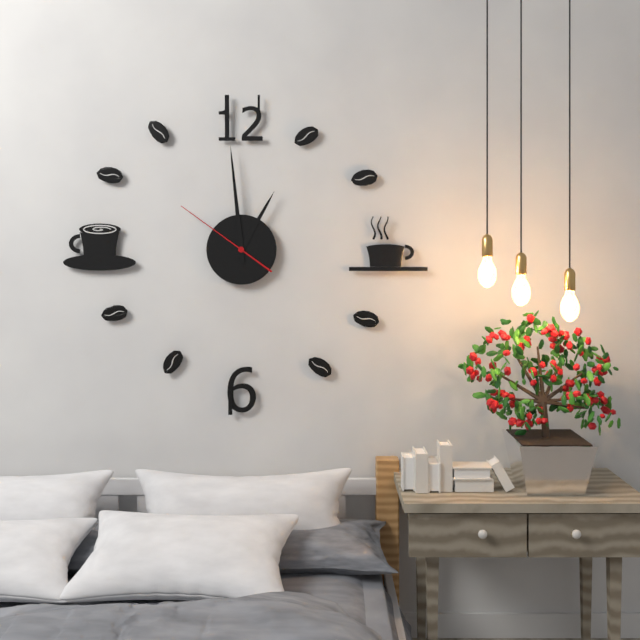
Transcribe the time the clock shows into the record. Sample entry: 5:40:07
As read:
12:59:51
